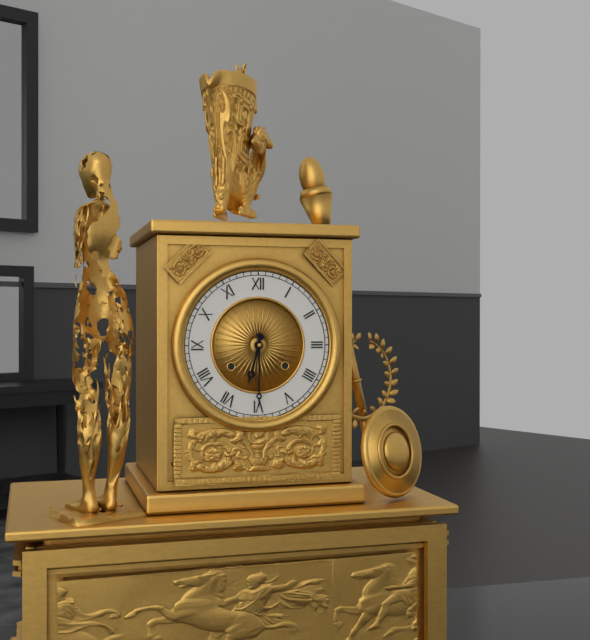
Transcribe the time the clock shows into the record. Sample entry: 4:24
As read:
6:30
